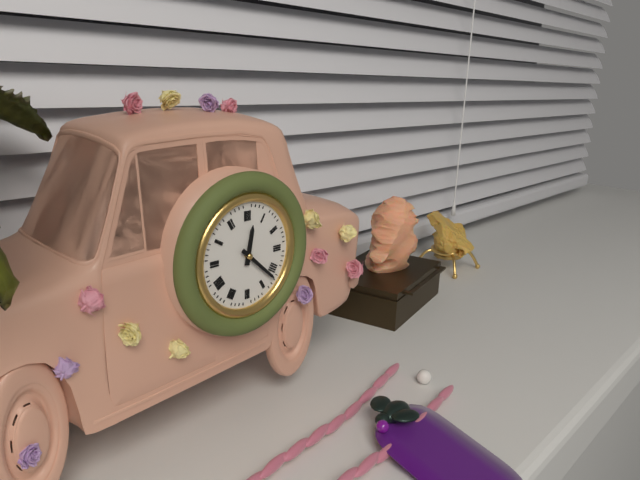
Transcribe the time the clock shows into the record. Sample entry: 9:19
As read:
12:22
